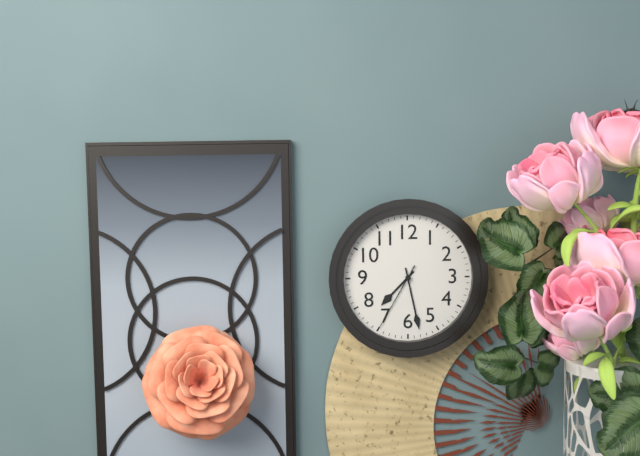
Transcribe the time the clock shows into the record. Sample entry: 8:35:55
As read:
7:28:35
